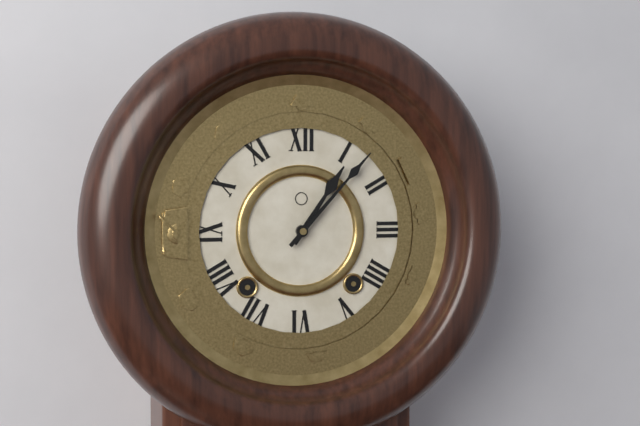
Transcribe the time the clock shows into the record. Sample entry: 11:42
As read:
1:07
